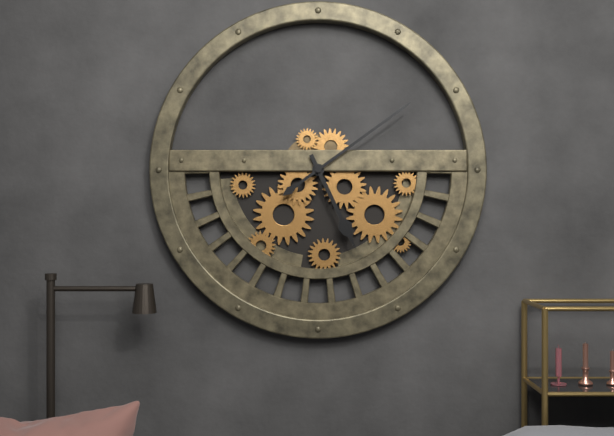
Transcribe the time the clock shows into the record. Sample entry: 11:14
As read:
5:09
